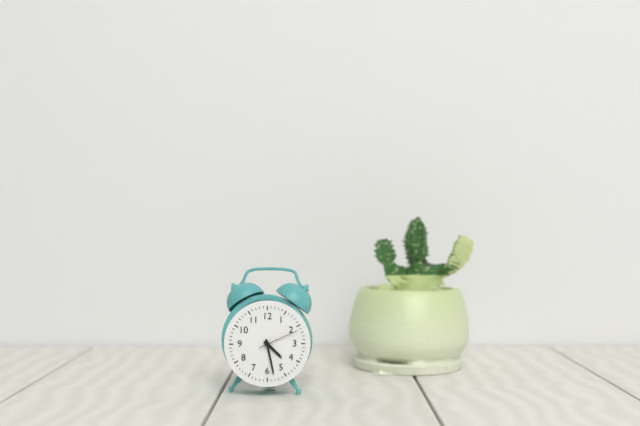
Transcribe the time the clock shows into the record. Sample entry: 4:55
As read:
4:28
